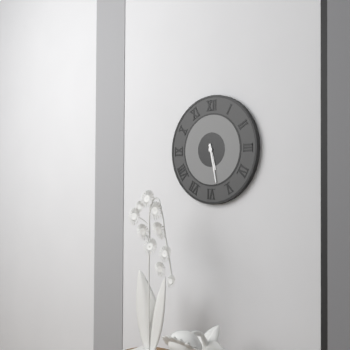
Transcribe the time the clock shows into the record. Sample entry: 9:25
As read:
5:28
